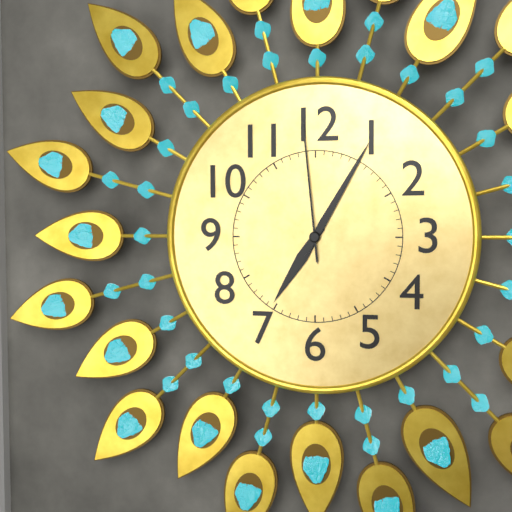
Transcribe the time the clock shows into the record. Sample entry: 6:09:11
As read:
7:05:59
